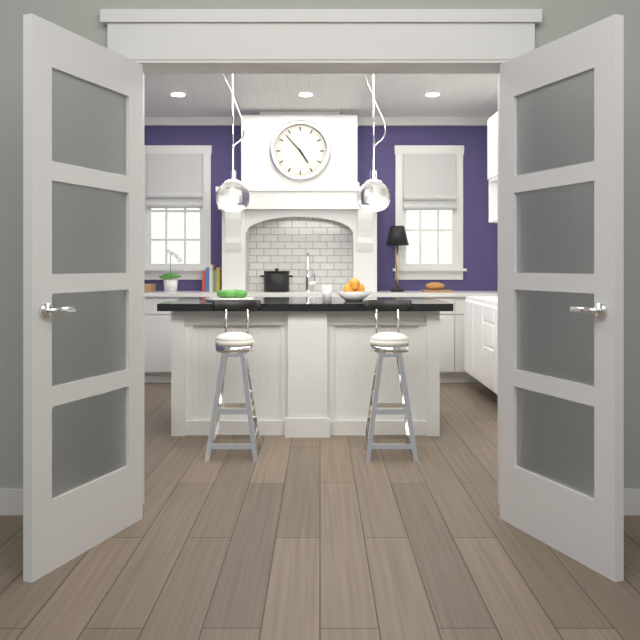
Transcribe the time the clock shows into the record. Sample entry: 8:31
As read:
4:53
